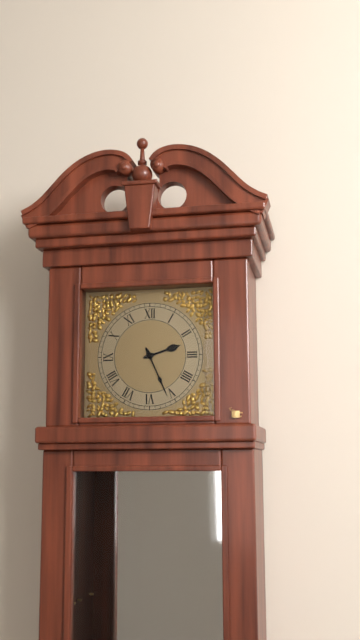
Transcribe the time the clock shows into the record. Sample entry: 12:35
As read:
2:26
